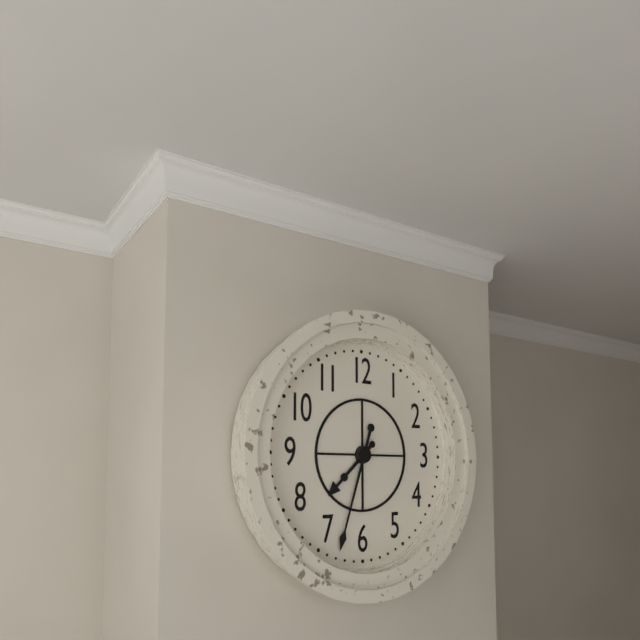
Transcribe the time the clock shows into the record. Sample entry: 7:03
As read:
7:33
